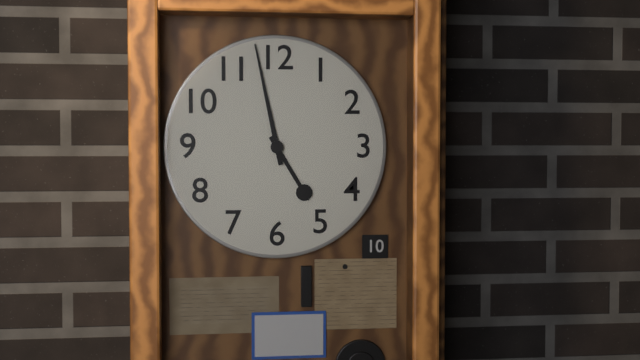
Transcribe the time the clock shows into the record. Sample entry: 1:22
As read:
4:58
